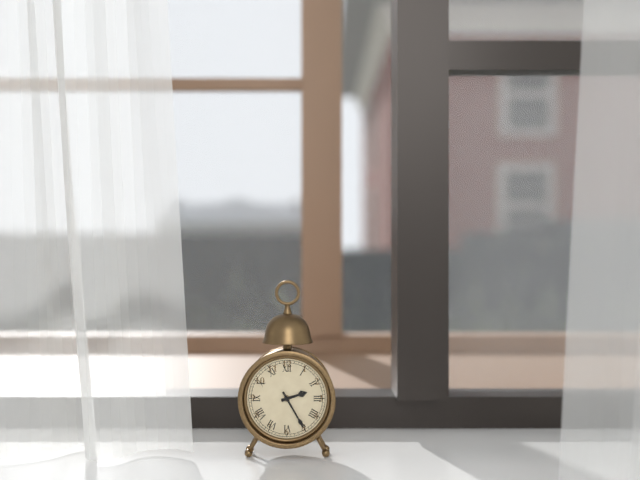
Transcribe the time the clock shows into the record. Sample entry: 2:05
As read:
2:25
